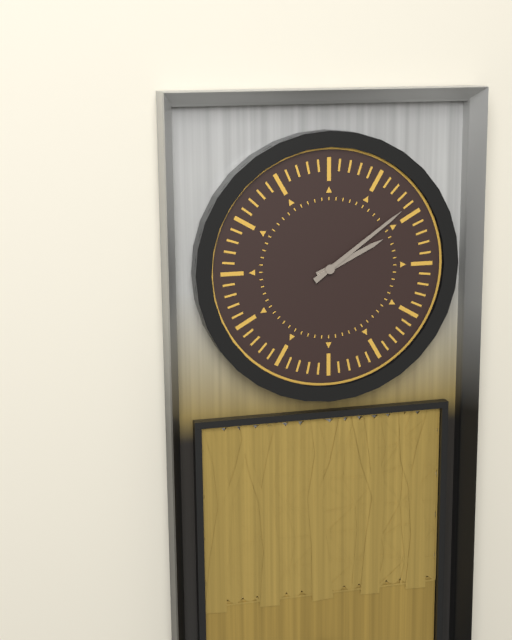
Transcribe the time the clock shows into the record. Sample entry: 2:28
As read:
2:09
